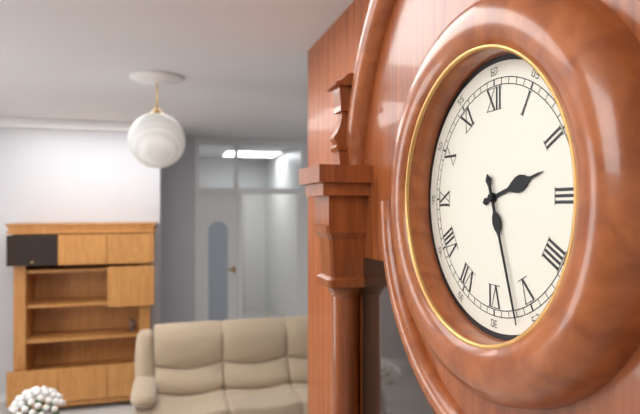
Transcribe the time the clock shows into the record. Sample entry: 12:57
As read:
2:27
